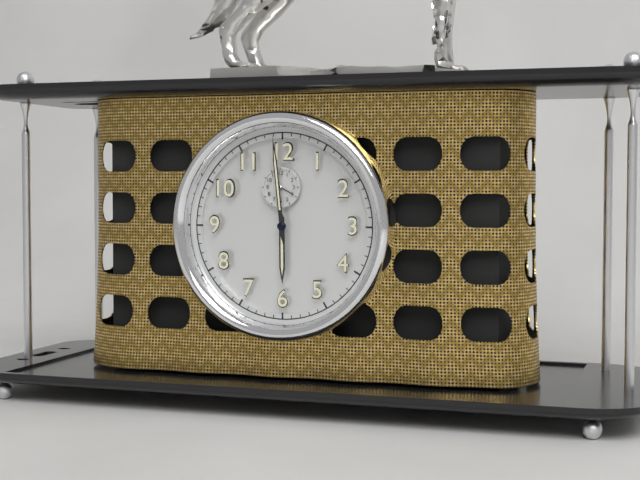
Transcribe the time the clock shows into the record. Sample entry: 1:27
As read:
5:59
